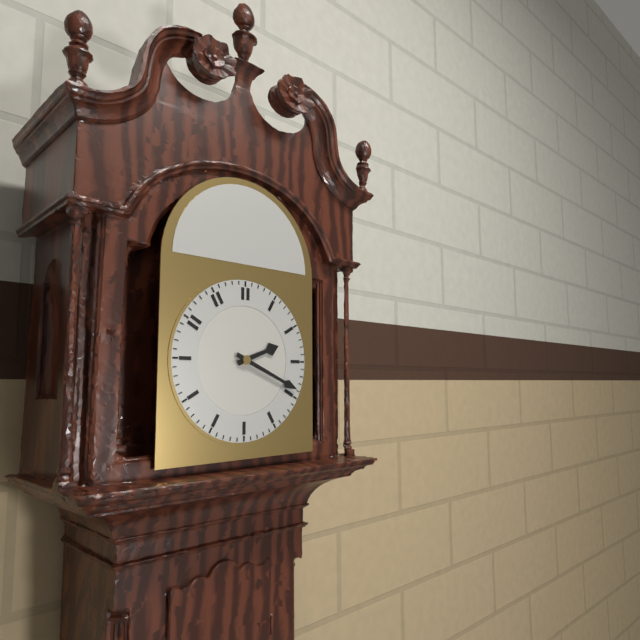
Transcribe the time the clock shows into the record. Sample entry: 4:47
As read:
2:19
